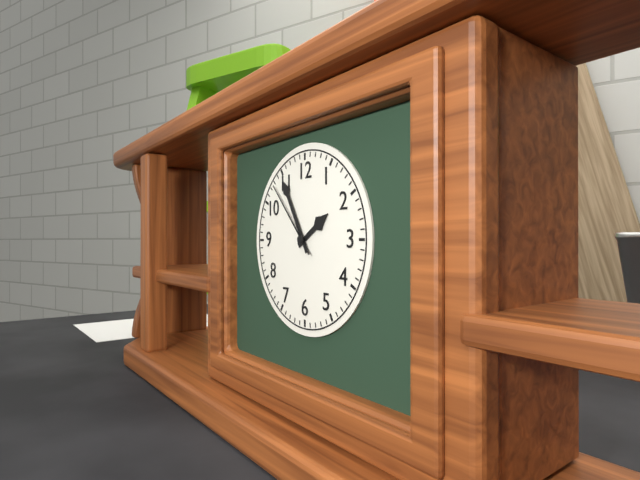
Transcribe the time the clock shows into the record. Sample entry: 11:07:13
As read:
1:55:53
